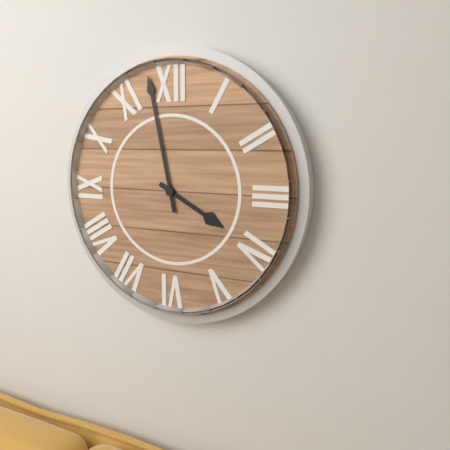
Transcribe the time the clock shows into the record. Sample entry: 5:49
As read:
3:58
